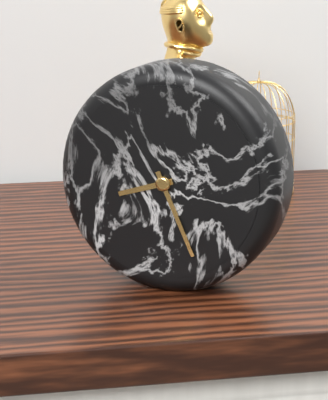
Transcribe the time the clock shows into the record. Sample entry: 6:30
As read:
8:26
